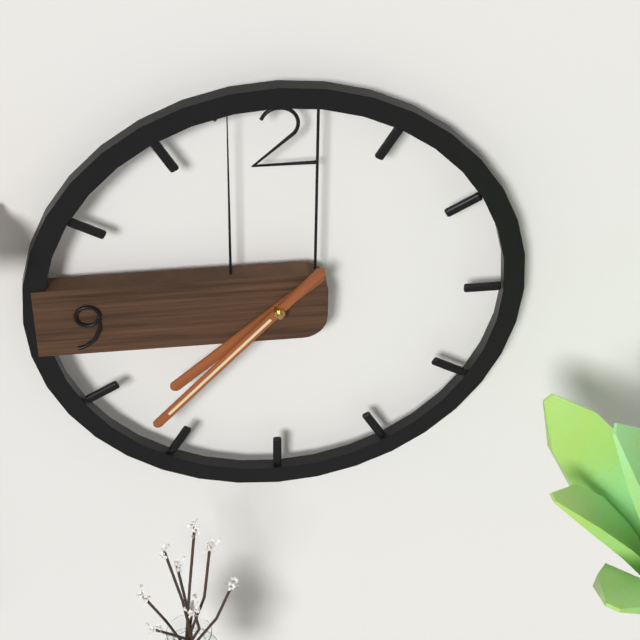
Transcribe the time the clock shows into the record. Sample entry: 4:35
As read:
7:37
